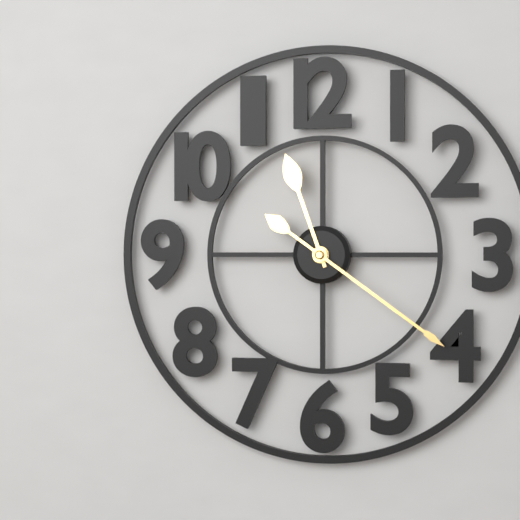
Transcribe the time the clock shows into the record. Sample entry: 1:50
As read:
11:21
